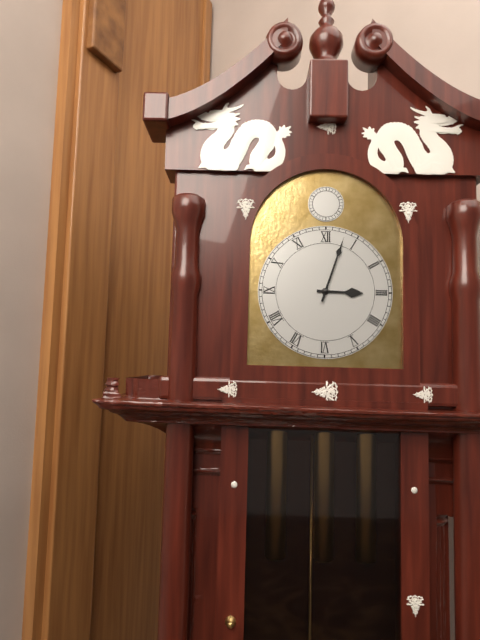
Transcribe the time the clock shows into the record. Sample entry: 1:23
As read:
3:03
